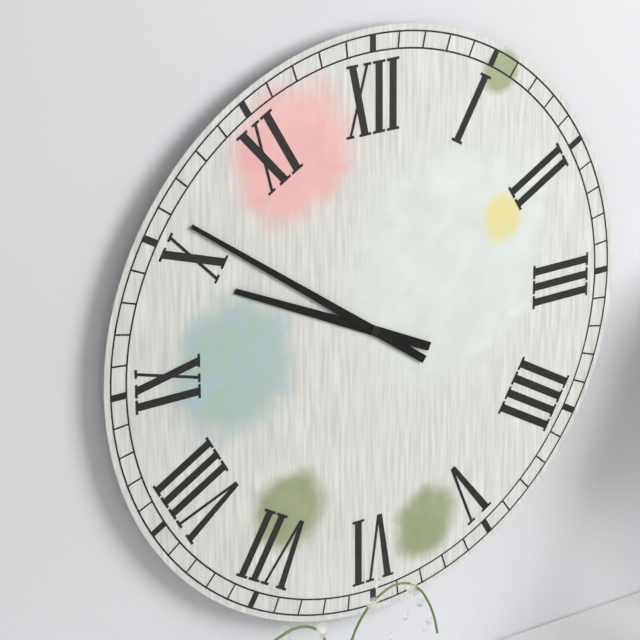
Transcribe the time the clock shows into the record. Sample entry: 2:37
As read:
9:51
